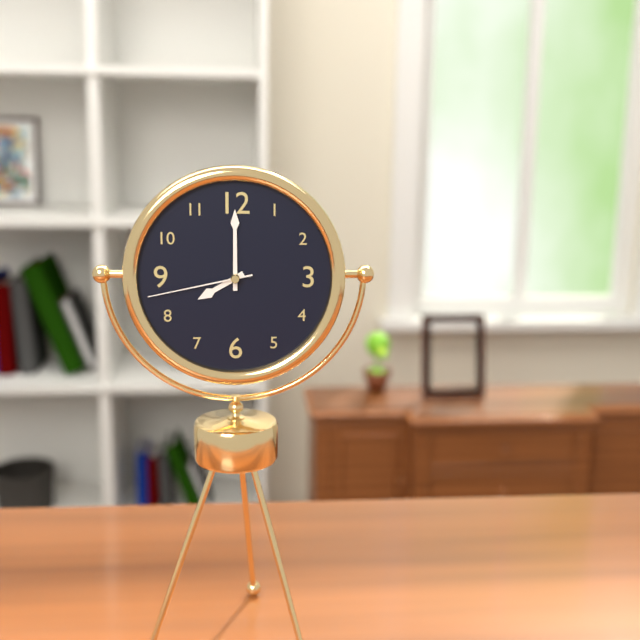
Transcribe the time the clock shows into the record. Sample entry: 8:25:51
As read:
8:00:43
